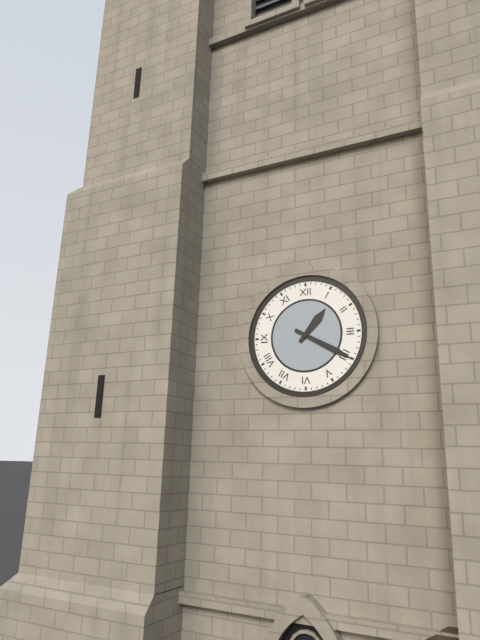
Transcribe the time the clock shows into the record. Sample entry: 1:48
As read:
1:20
